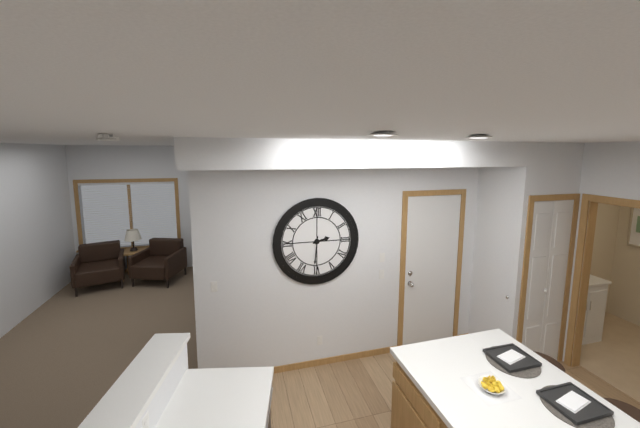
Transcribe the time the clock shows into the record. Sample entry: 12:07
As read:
2:31
